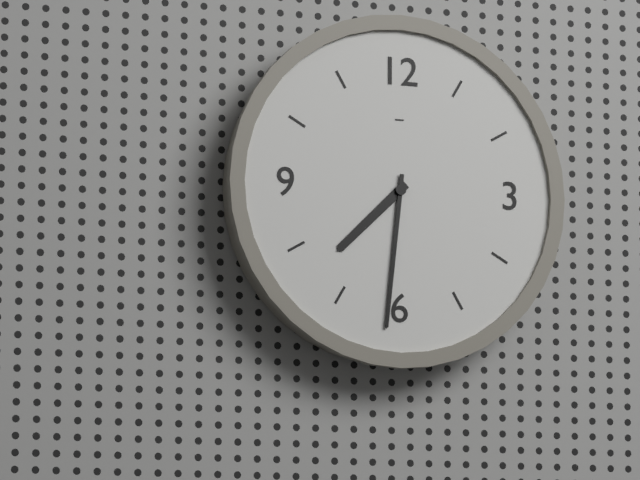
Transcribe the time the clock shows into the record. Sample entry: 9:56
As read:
7:31
